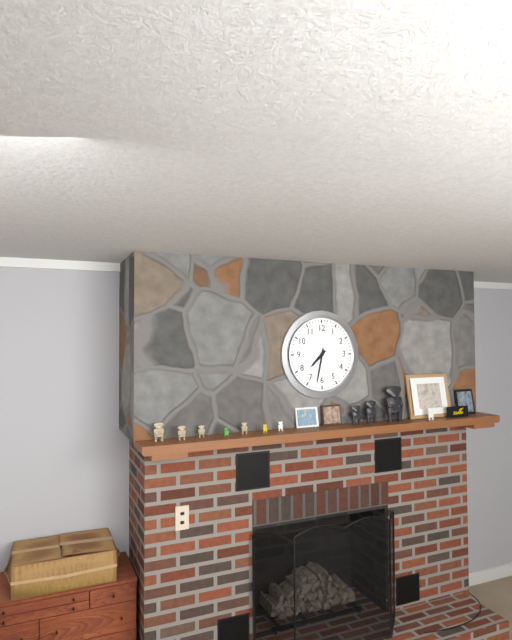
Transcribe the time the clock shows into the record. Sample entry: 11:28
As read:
7:32
